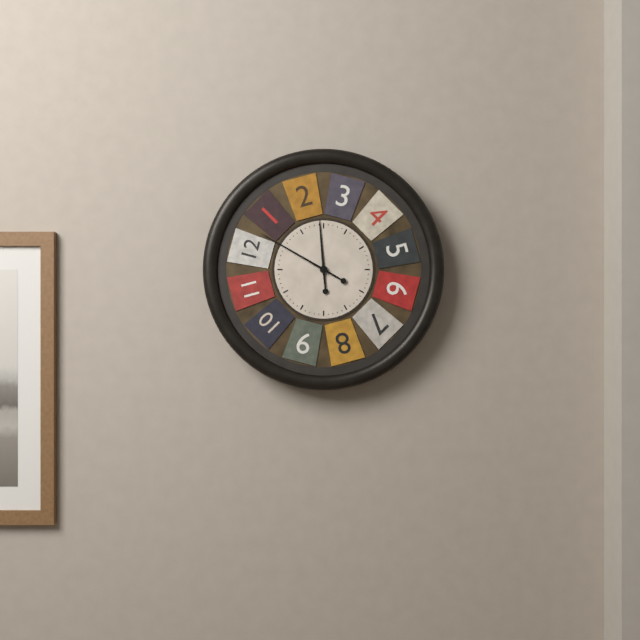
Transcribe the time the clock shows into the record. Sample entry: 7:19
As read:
11:50
